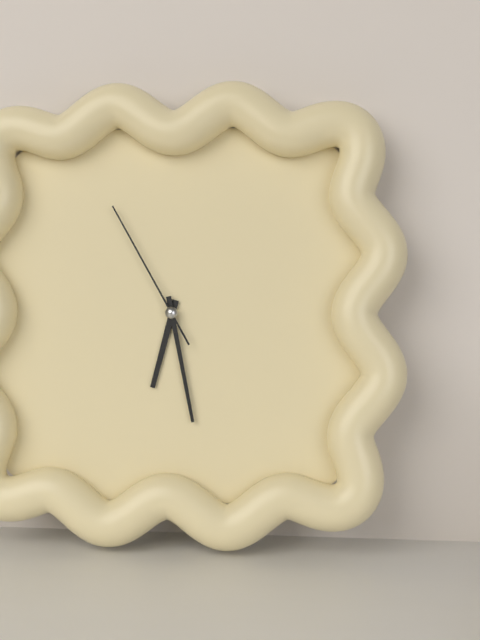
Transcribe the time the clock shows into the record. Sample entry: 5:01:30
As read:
6:28:55
